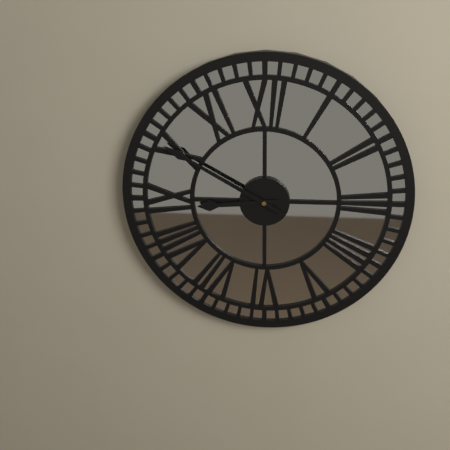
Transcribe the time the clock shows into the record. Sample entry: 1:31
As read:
8:50
